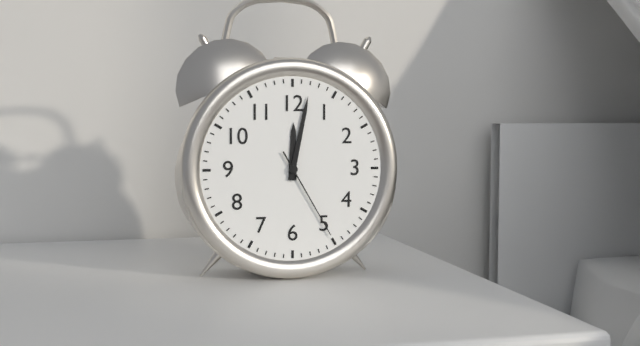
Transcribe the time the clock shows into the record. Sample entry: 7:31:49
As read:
12:02:25
